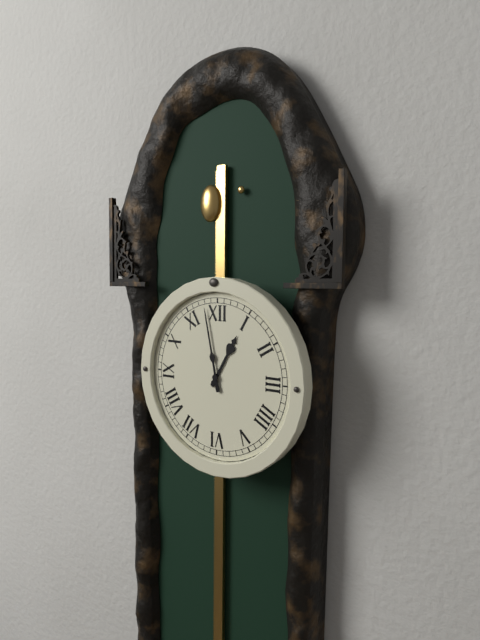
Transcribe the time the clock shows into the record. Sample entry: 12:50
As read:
12:58
